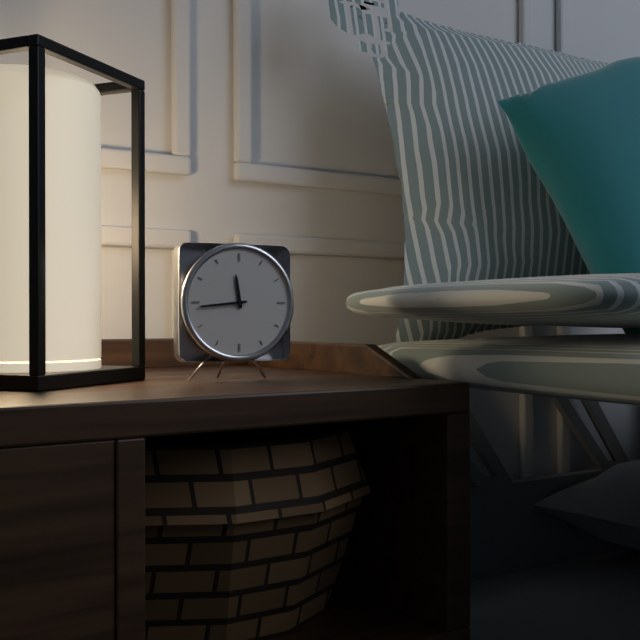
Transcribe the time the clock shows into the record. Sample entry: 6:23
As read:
11:44
